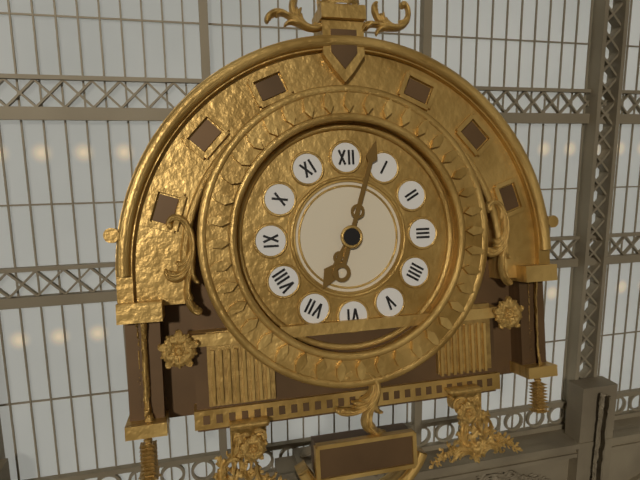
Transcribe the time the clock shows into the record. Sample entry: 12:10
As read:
7:03
